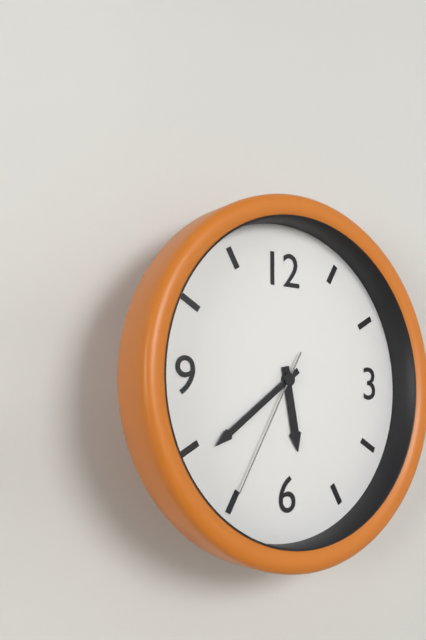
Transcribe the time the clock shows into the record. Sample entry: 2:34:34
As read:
5:39:35
